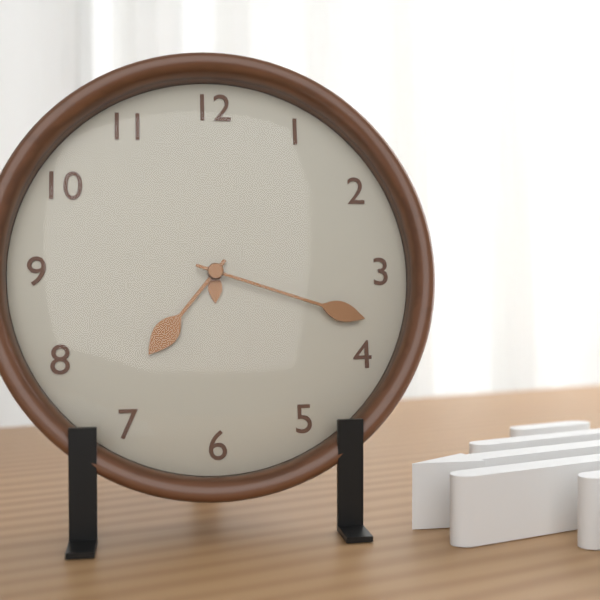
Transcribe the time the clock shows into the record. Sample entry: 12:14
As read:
7:18
